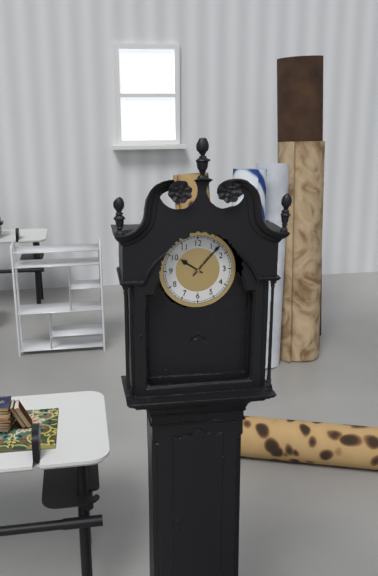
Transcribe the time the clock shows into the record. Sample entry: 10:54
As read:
10:07
